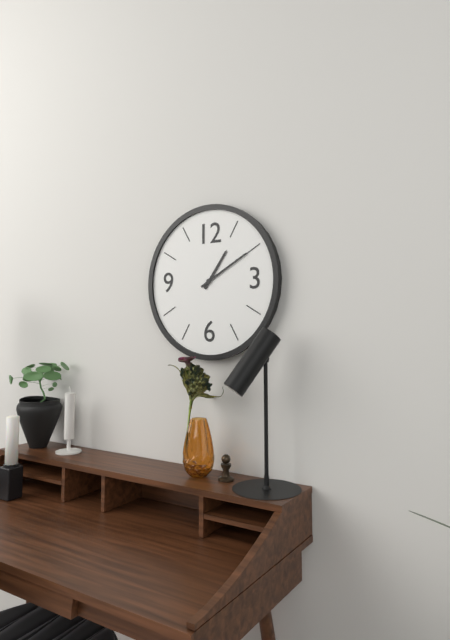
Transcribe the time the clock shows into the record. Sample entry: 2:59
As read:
1:10
